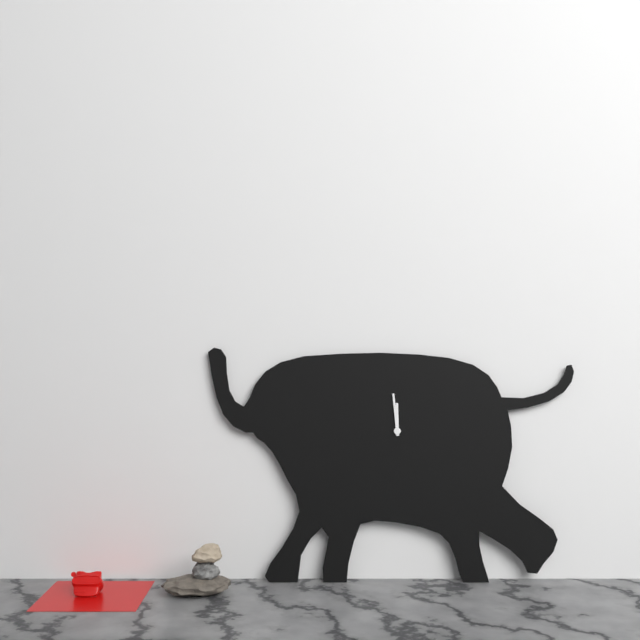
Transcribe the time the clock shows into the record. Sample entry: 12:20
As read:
11:59
